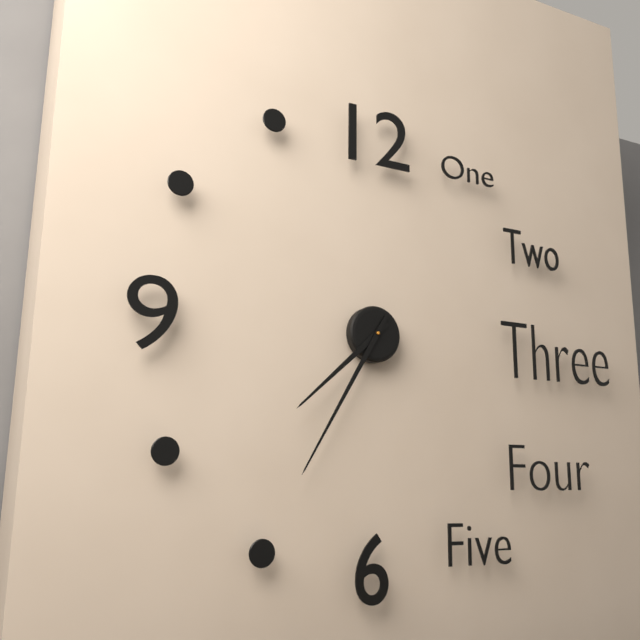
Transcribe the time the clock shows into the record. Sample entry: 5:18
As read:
7:35
